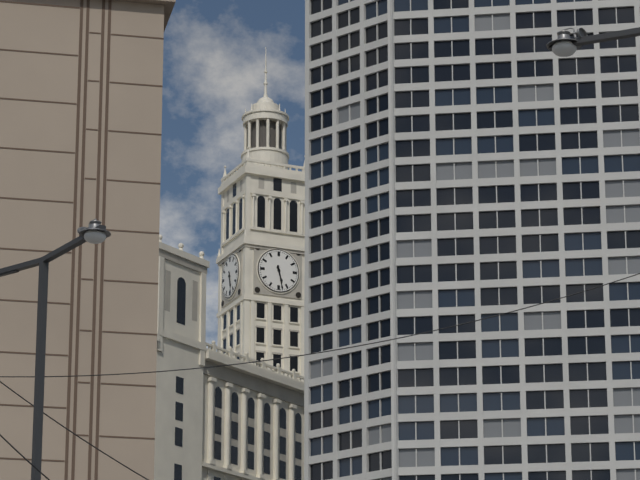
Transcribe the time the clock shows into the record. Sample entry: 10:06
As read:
5:28
